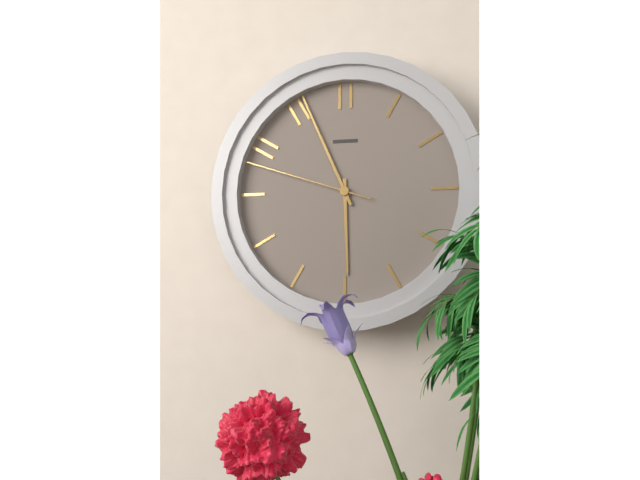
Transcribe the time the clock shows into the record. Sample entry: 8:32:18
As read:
5:56:48
